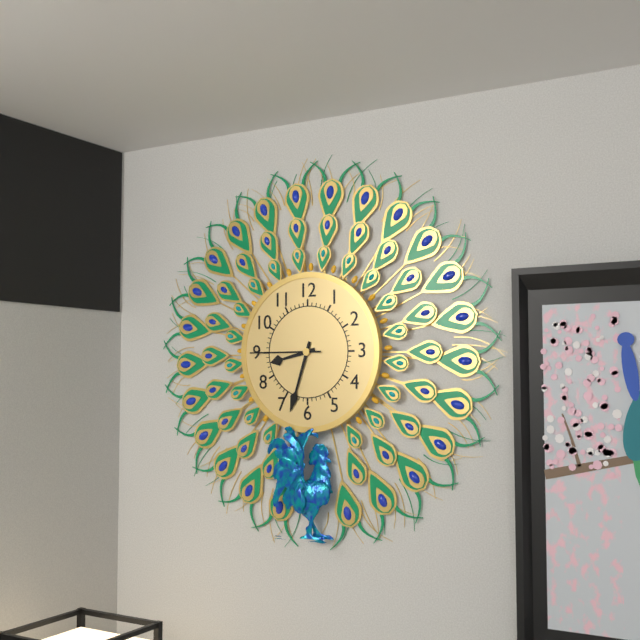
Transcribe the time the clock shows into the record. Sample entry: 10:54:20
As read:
8:33:45
